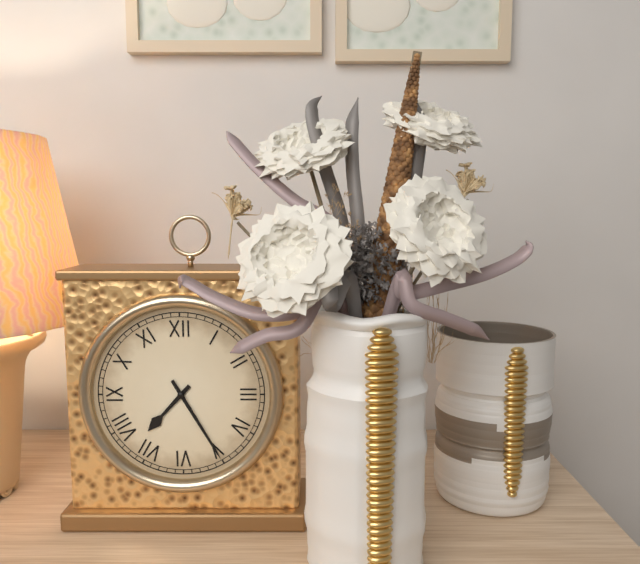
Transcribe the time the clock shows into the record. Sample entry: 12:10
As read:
7:25
